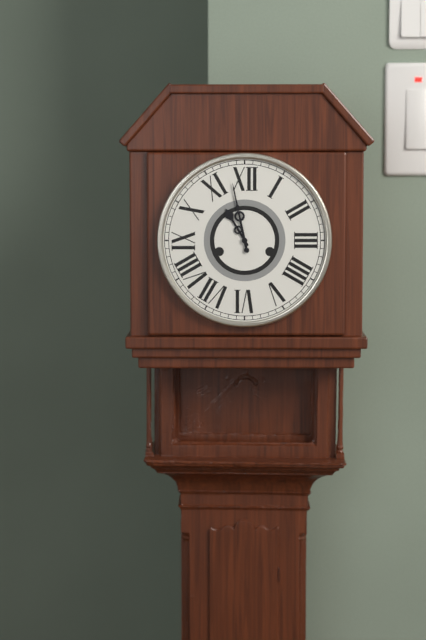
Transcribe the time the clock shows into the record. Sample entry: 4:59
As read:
10:58
